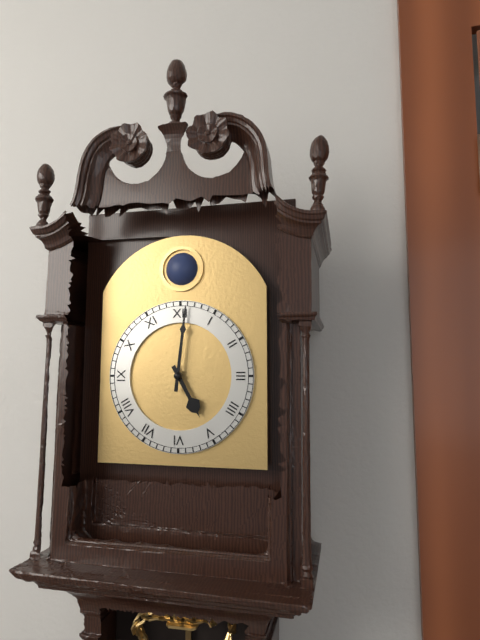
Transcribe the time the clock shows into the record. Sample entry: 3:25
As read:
5:01
